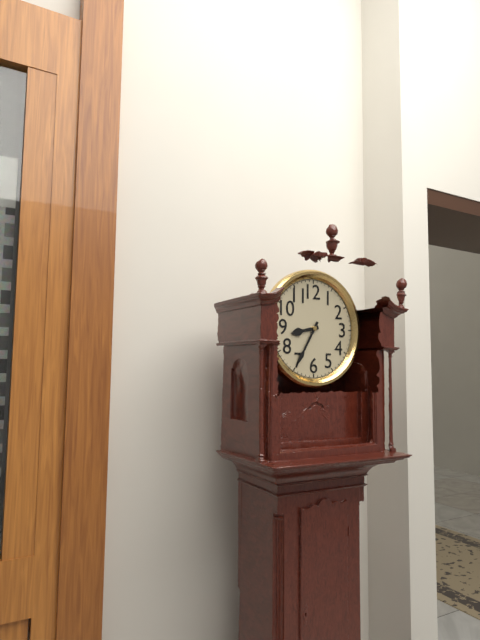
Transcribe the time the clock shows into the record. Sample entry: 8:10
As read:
8:35
